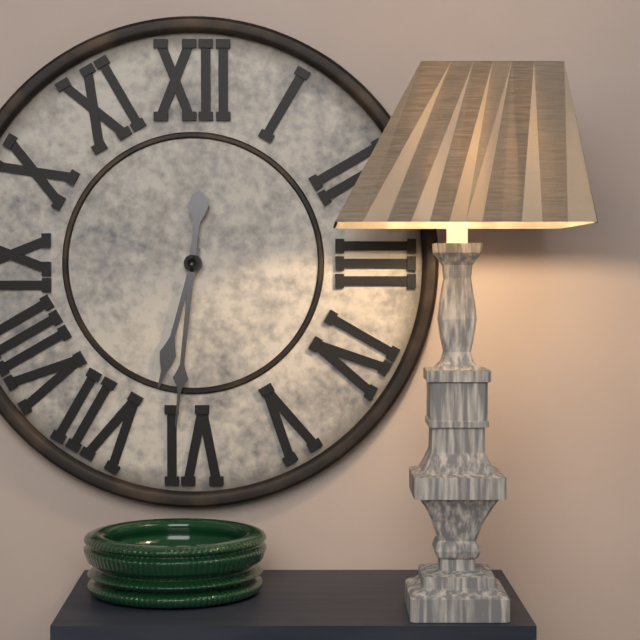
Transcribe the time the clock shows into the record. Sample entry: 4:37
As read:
6:31
